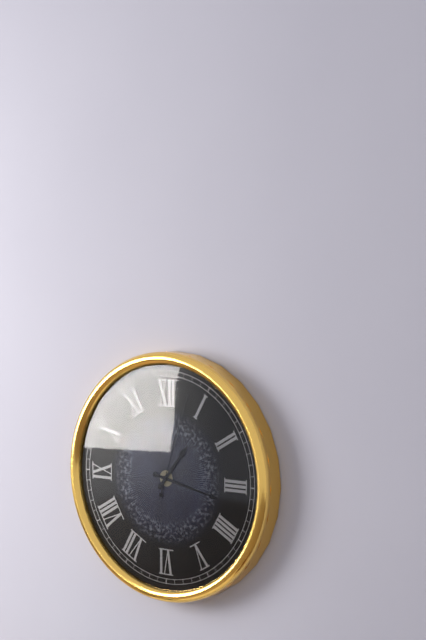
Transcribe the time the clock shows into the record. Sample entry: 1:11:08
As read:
1:17:03
